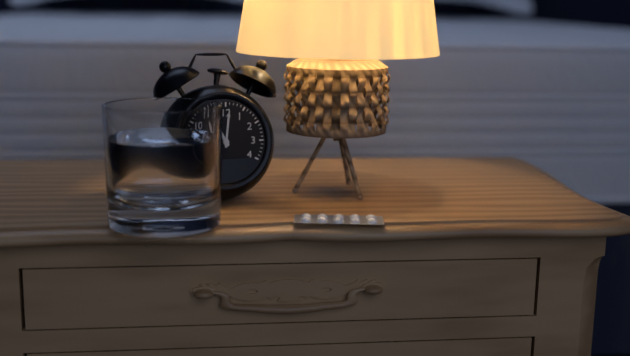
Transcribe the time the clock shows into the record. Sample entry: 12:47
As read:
11:01
